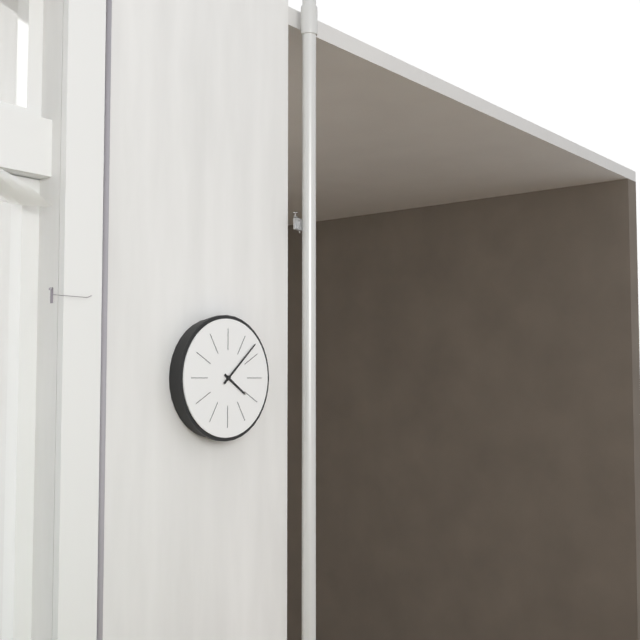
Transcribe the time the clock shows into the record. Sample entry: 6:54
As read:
4:08
